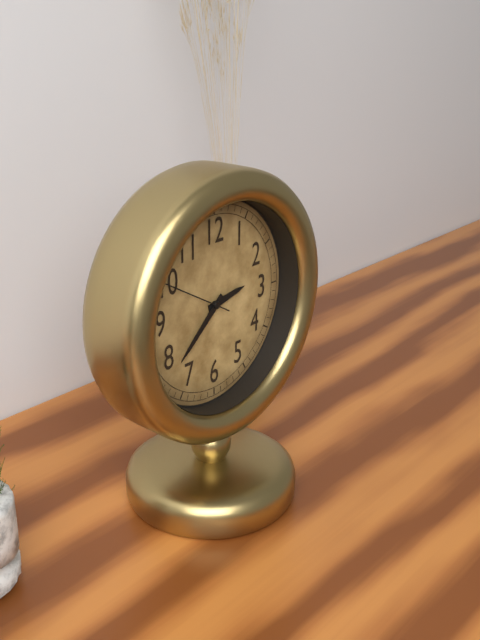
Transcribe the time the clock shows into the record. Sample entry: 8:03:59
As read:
2:38:50
